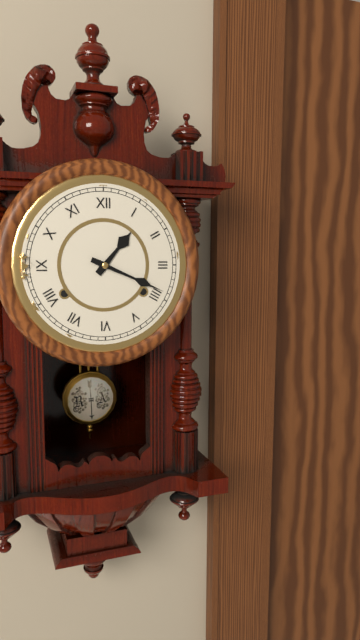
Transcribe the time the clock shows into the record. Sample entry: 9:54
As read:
1:19
